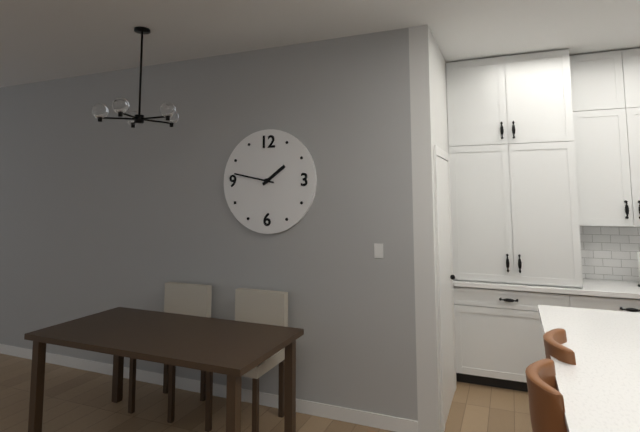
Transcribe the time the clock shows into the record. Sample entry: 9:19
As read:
1:47
